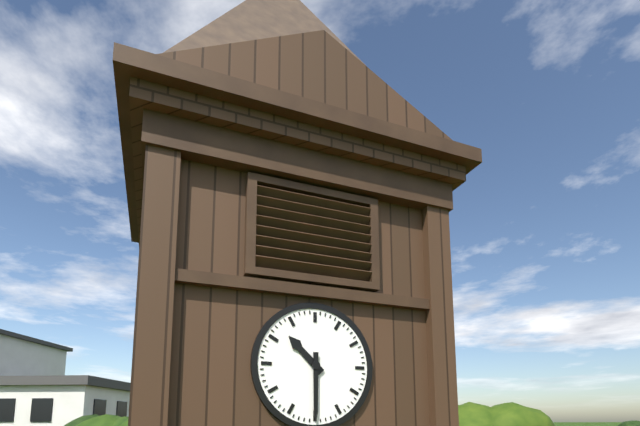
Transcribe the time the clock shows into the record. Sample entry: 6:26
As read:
10:30
